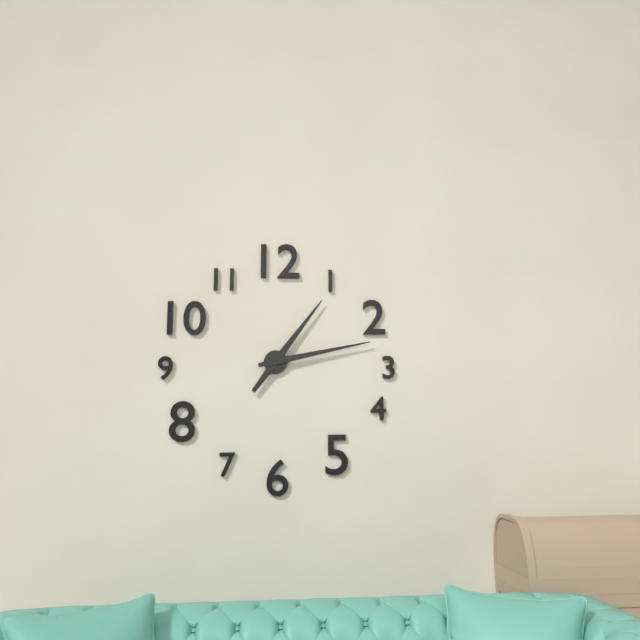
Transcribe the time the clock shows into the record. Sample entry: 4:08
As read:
1:13
